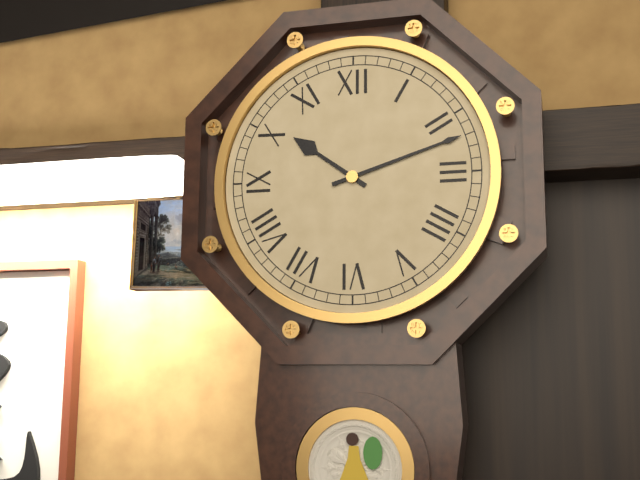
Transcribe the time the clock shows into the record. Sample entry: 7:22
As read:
10:12
